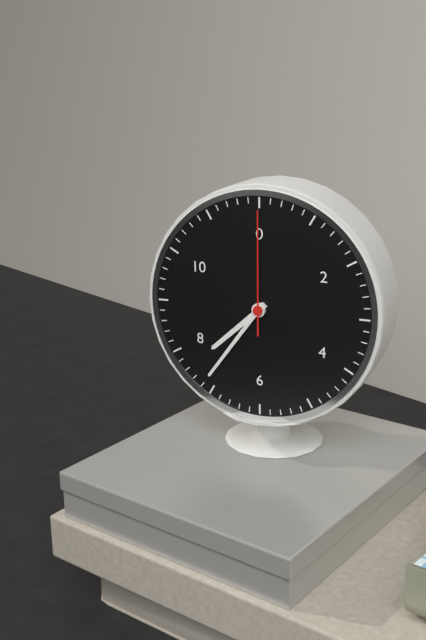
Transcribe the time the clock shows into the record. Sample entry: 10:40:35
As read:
7:36:00
